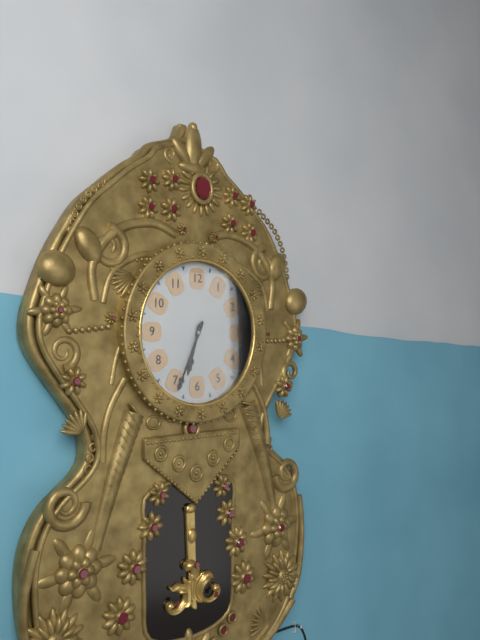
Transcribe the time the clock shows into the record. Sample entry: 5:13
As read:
6:34
